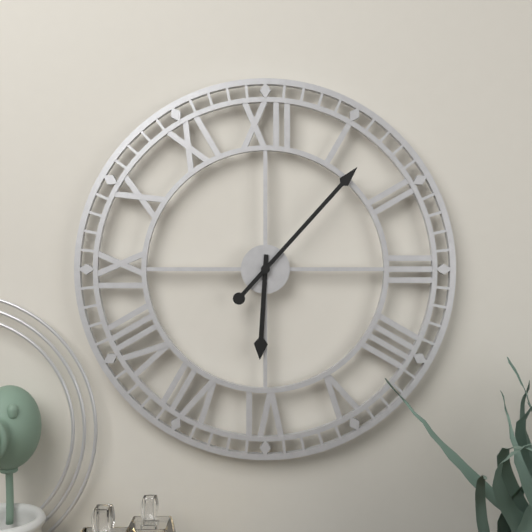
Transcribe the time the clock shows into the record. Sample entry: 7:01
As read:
6:07
